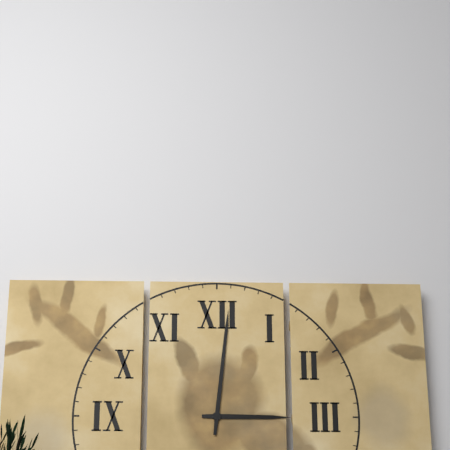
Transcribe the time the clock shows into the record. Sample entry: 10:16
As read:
3:01
